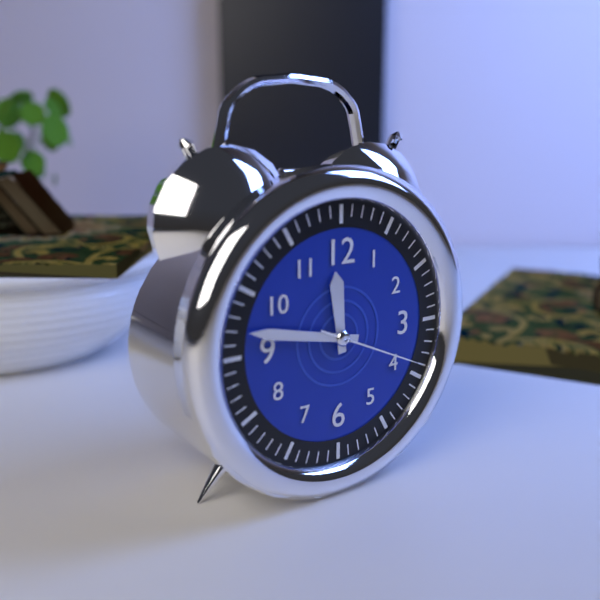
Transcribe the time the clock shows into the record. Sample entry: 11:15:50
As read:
11:47:19
